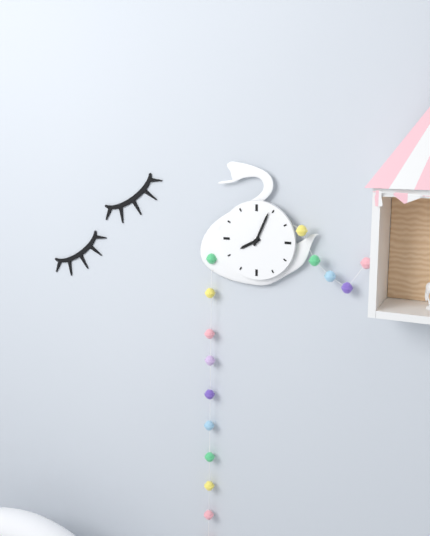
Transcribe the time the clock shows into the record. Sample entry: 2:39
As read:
8:04
